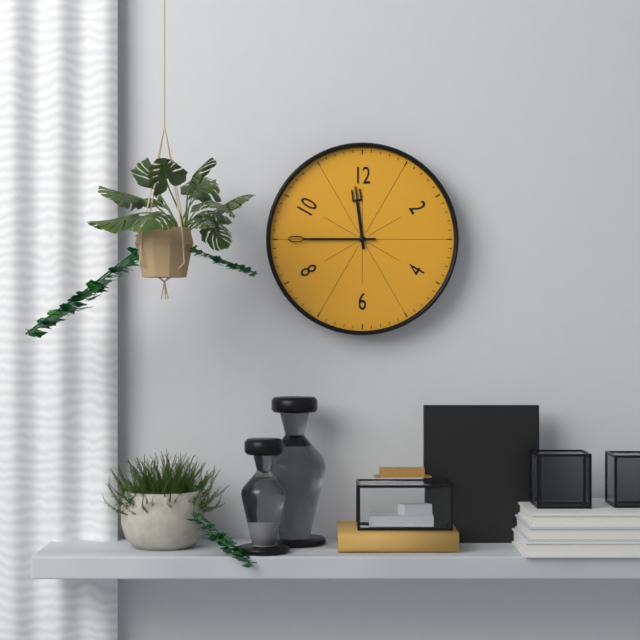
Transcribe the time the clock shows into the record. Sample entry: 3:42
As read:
11:45
